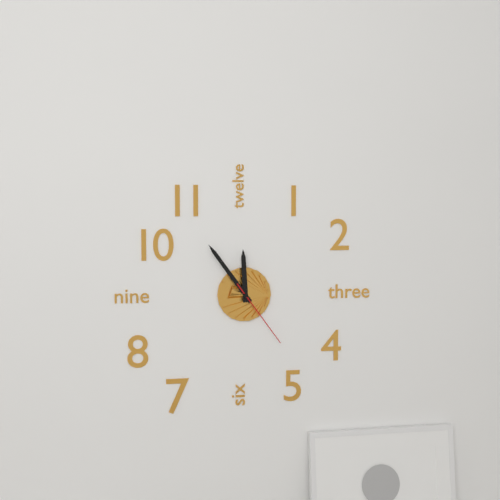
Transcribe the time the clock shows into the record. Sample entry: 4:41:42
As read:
11:54:24
